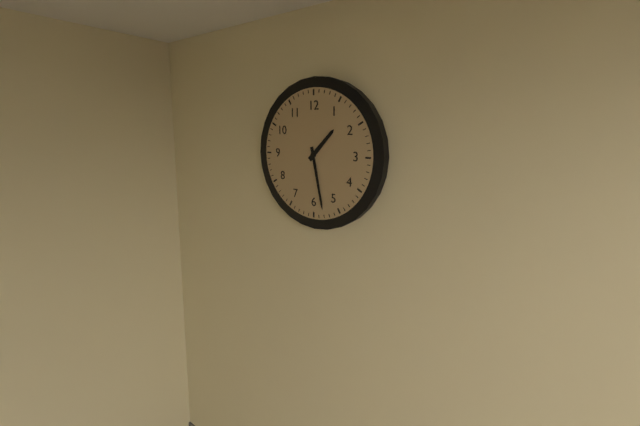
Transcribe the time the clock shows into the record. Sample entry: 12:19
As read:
1:28
